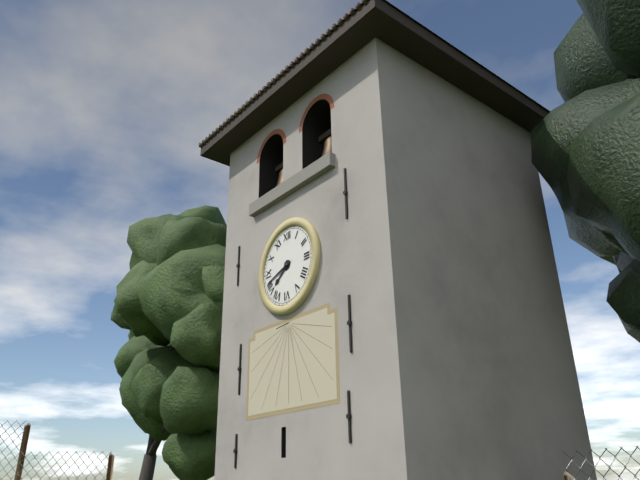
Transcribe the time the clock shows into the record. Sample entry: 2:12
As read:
7:42
